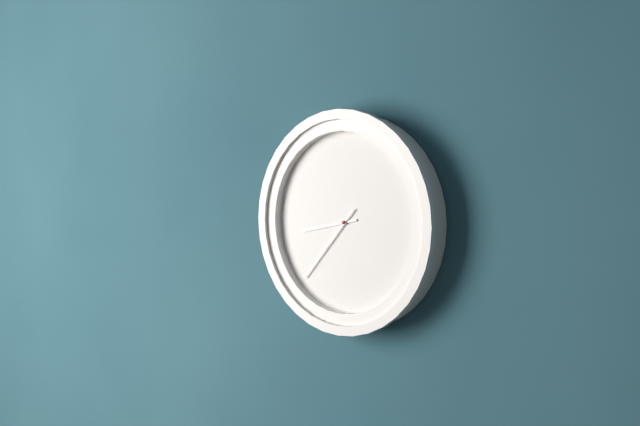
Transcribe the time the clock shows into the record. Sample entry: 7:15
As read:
8:37
